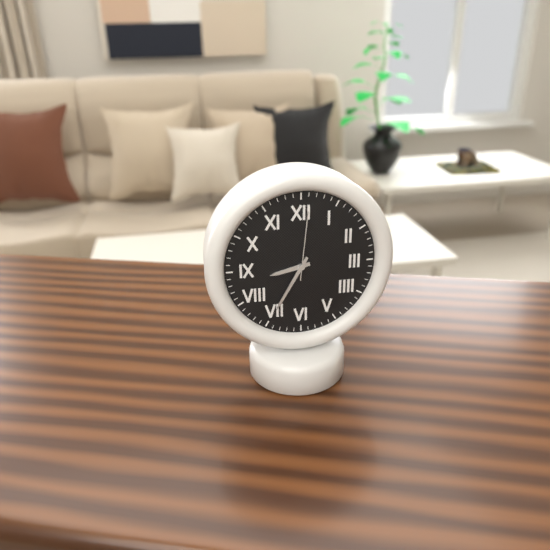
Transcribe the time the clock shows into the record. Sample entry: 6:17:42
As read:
8:35:01
